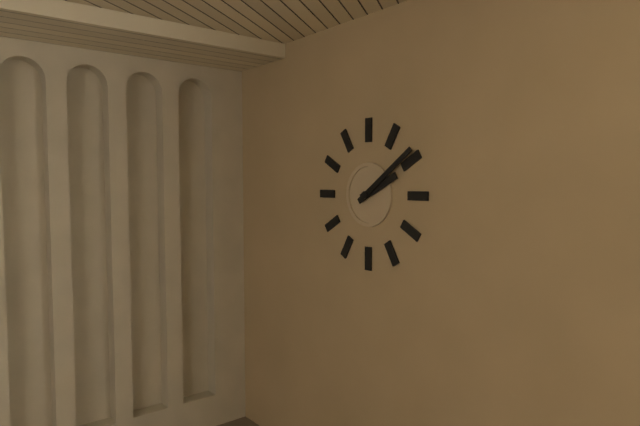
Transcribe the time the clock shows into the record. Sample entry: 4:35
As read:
2:09
